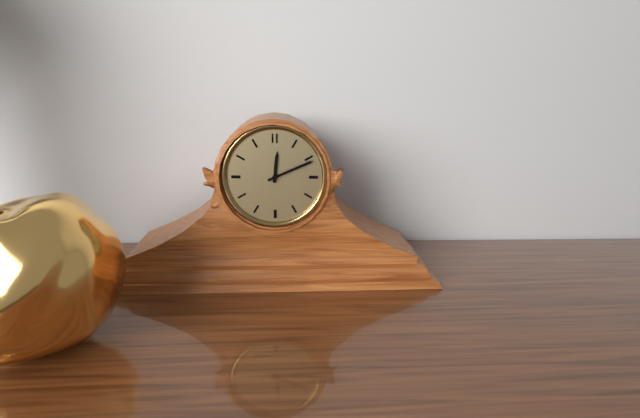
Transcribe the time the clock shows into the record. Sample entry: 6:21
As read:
12:11
